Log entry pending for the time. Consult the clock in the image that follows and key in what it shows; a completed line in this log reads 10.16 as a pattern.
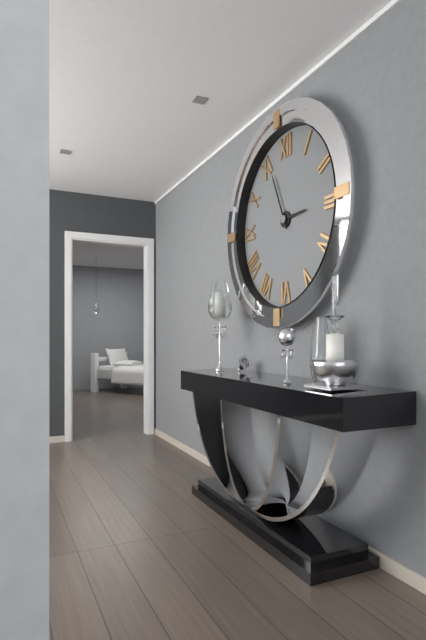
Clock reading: 2.56
